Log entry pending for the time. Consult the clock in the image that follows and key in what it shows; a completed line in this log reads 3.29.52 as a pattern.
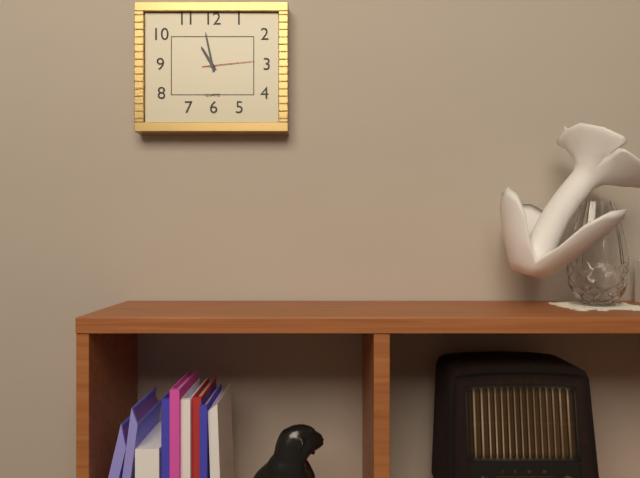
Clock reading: 10.58.14
